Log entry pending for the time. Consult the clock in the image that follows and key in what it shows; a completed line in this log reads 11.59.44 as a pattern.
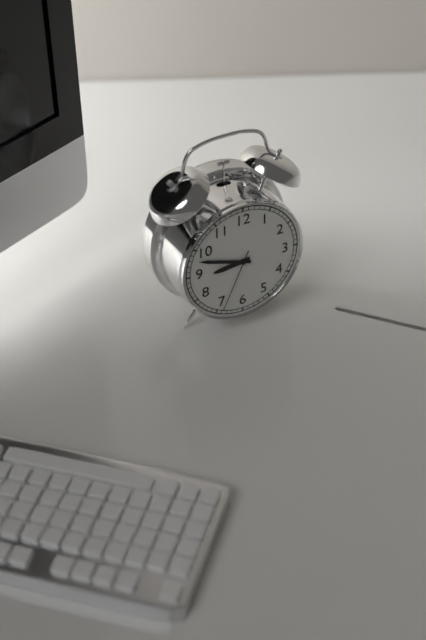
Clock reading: 8.48.34
